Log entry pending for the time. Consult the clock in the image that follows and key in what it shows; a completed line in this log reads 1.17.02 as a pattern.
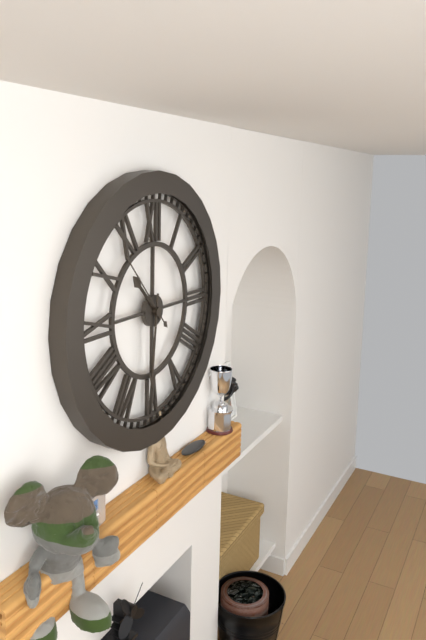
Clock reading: 10.31.53
